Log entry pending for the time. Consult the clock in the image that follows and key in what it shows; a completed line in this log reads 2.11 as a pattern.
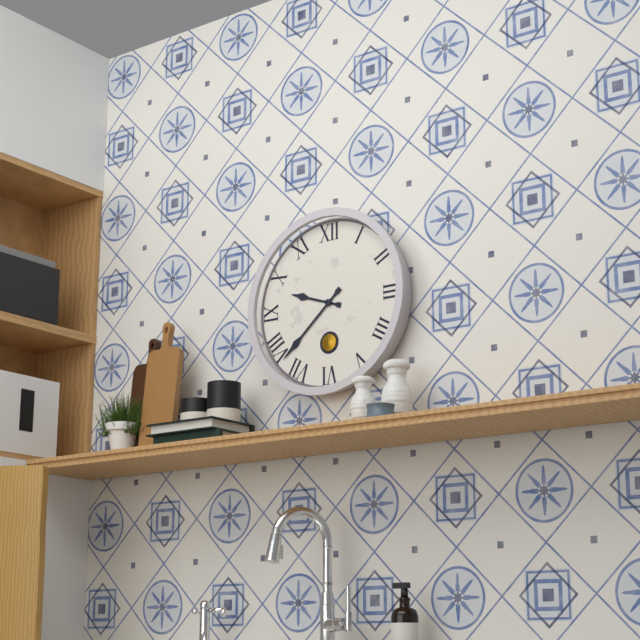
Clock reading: 9.38
